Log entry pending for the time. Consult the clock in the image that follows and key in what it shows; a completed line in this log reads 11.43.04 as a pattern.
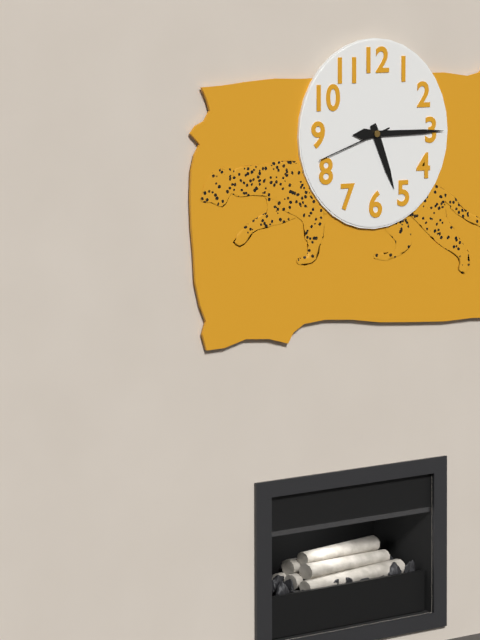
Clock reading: 5.15.42
